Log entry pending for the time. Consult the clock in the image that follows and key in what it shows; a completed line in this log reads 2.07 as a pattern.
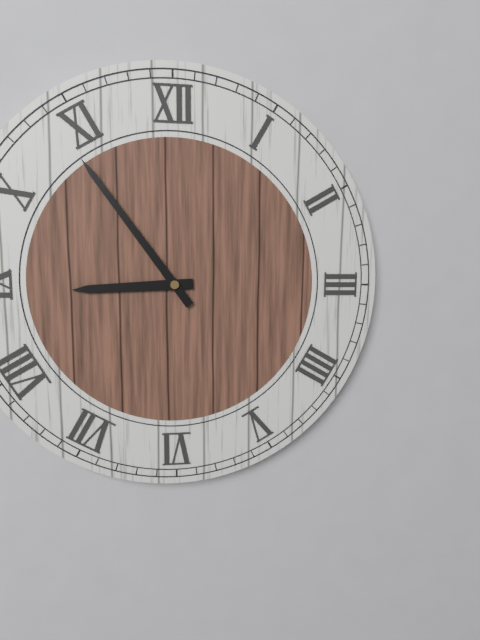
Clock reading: 8.54
